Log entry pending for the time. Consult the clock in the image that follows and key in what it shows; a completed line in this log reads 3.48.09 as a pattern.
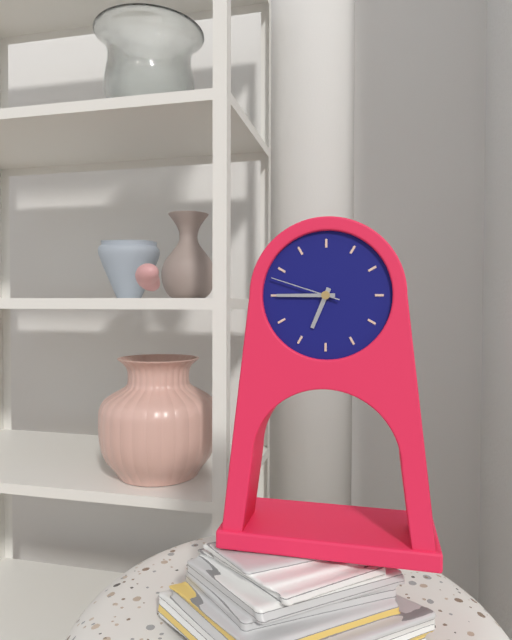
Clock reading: 6.45.48
